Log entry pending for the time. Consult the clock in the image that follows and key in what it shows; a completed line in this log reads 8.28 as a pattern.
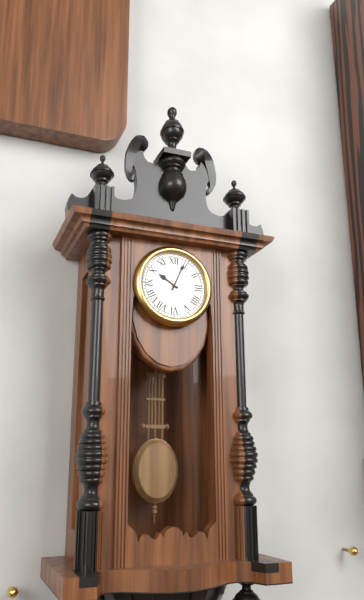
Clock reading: 10.04
